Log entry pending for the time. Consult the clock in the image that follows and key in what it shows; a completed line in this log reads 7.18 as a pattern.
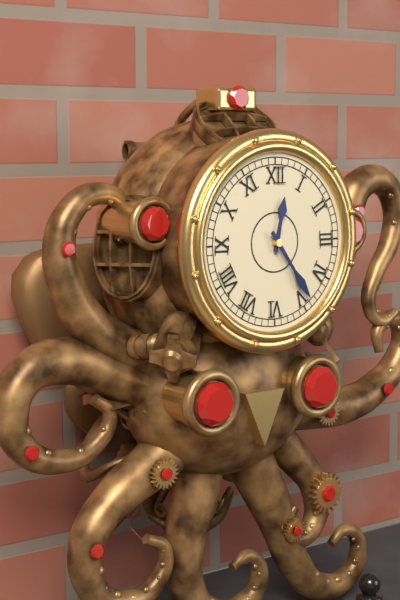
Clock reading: 12.24
